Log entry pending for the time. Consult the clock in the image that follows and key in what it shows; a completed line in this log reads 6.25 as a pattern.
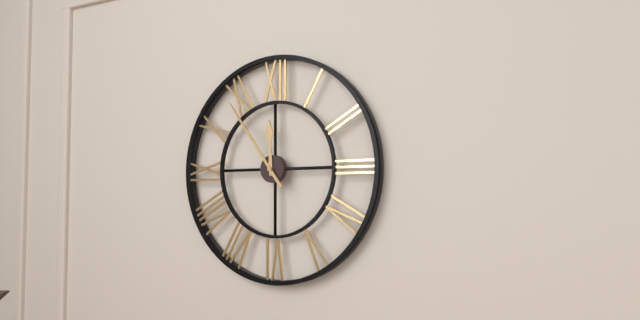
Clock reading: 11.54
